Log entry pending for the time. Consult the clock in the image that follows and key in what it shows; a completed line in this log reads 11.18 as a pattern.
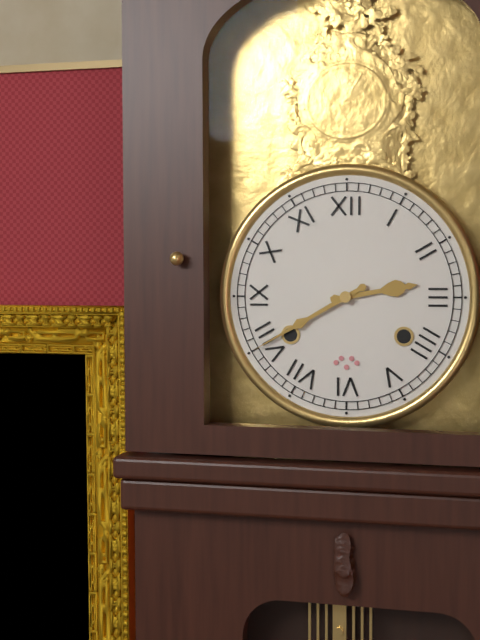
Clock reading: 2.40
